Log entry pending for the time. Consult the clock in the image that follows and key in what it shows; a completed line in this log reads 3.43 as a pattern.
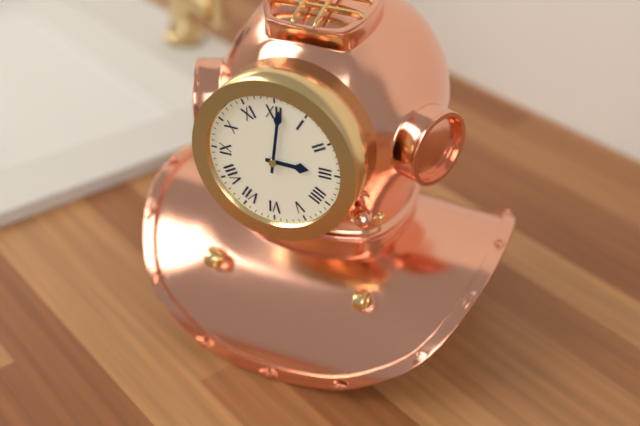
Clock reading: 3.01
